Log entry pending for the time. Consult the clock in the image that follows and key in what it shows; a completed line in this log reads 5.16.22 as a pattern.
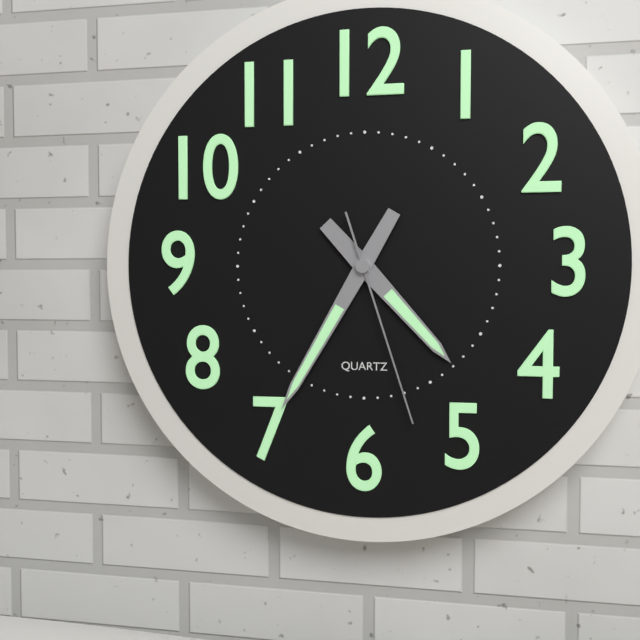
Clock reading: 4.35.27
